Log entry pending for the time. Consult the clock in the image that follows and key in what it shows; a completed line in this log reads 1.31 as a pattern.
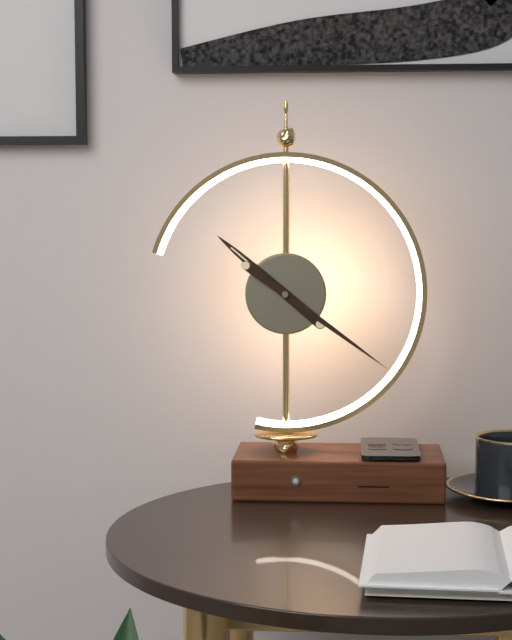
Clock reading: 10.21
